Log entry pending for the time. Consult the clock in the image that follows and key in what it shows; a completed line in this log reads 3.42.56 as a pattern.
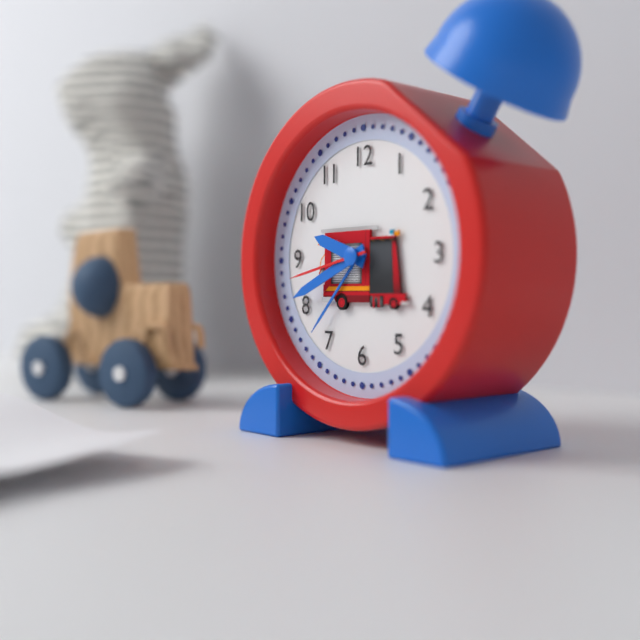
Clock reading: 9.41.43
